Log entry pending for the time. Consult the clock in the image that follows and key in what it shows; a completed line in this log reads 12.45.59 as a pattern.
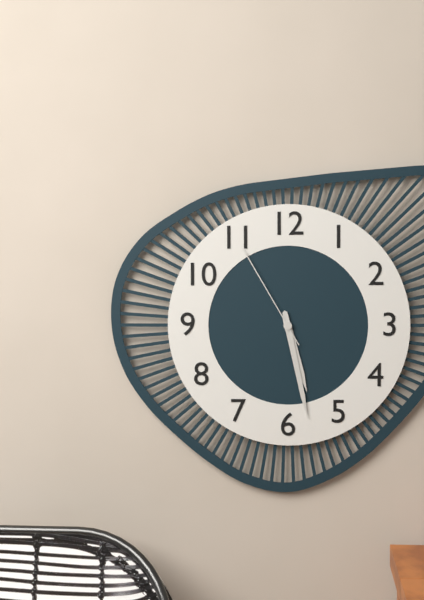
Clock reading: 5.28.55
